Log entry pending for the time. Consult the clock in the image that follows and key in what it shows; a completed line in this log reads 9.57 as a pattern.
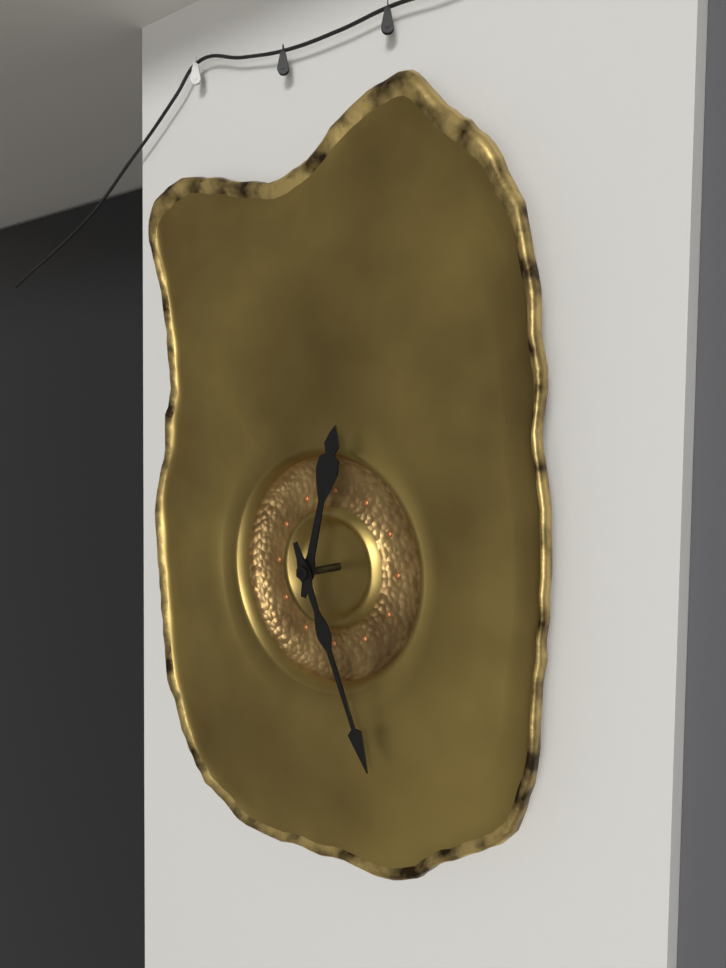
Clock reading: 12.26
